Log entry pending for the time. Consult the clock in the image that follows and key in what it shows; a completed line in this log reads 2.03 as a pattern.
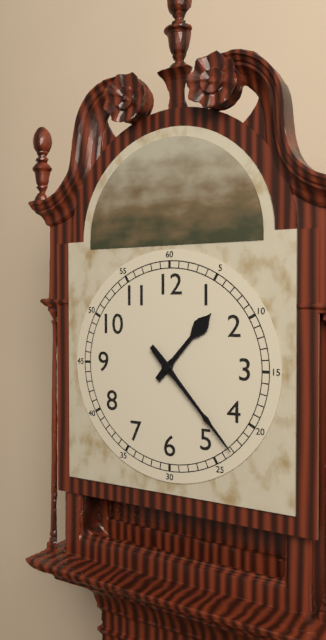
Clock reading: 1.23
